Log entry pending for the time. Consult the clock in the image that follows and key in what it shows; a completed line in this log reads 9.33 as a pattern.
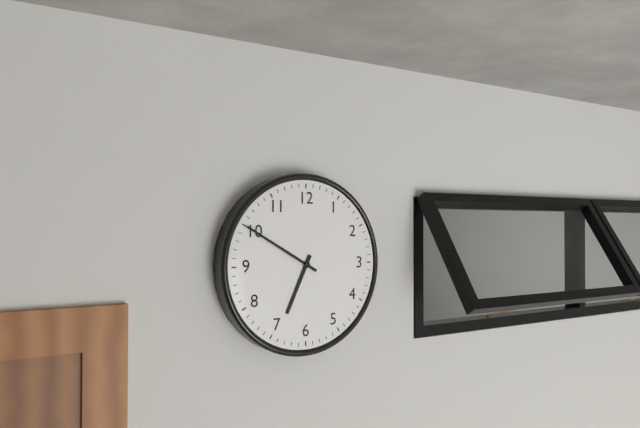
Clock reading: 6.50
